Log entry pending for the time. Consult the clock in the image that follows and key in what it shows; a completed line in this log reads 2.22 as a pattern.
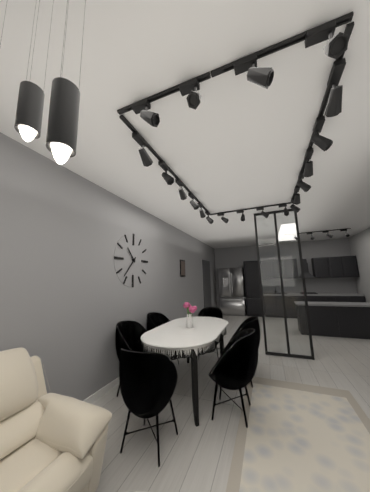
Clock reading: 10.37
